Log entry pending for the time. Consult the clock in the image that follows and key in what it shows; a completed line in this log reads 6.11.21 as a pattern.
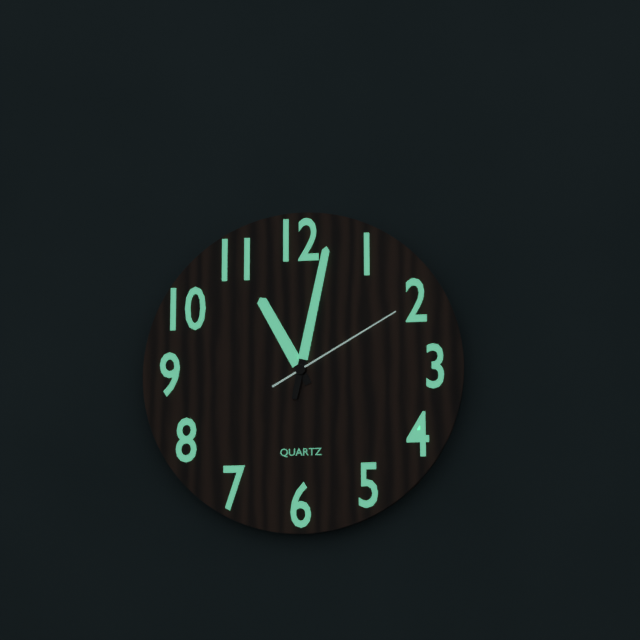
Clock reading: 11.02.10
